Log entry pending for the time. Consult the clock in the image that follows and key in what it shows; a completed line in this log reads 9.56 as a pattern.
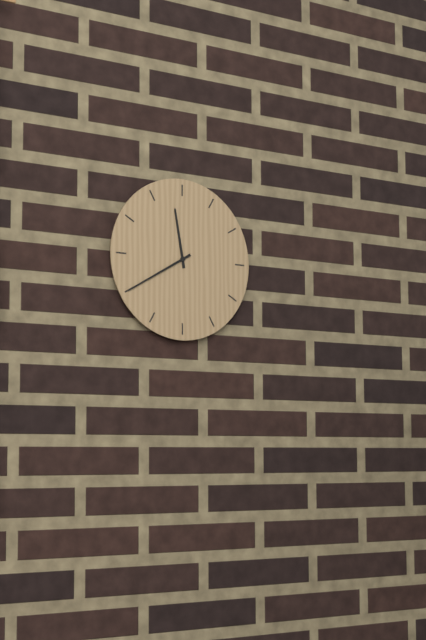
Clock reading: 11.40
